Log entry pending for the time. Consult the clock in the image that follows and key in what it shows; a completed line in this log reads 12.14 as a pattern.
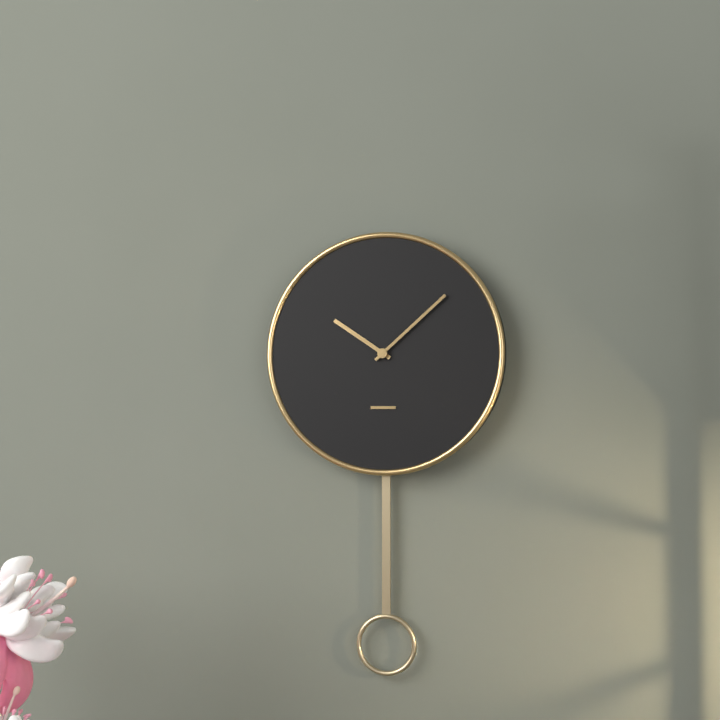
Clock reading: 10.08
